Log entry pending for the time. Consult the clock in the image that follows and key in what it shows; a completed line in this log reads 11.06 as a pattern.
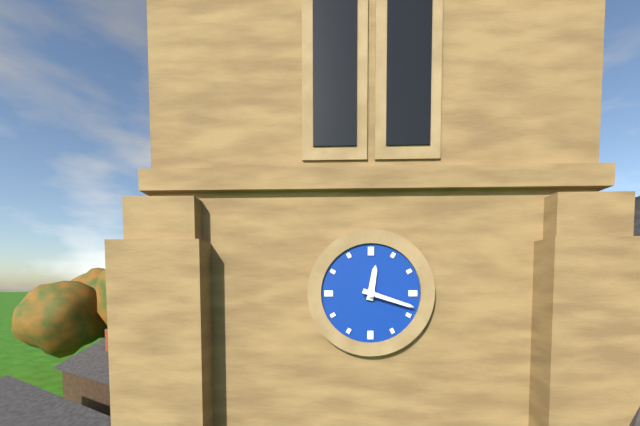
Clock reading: 12.18
